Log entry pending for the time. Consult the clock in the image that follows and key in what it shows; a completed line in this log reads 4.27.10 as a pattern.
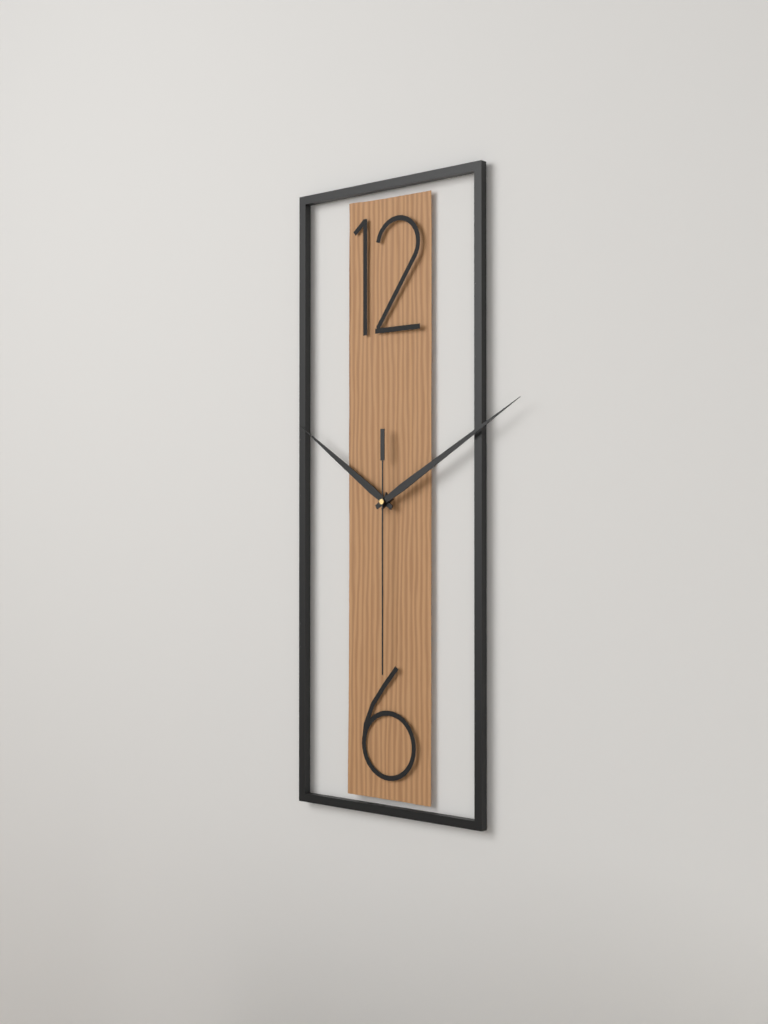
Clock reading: 10.10.30
